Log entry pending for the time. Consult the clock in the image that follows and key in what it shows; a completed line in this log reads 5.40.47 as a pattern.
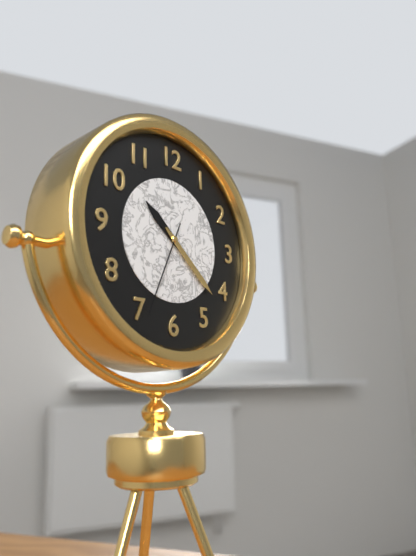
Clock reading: 10.22.34
